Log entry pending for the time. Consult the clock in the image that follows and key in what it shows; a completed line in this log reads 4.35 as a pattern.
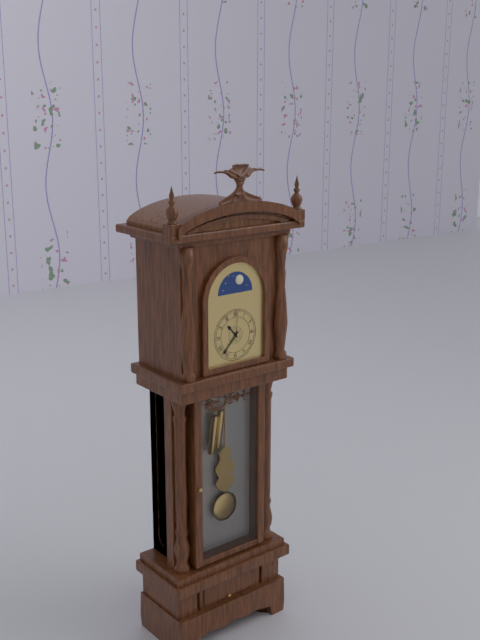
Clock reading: 10.37
